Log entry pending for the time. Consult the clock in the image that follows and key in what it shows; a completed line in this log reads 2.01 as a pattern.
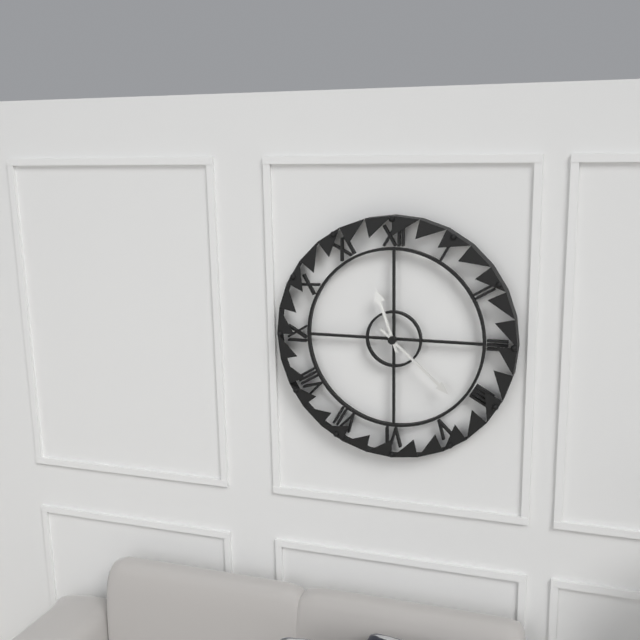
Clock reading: 11.22
